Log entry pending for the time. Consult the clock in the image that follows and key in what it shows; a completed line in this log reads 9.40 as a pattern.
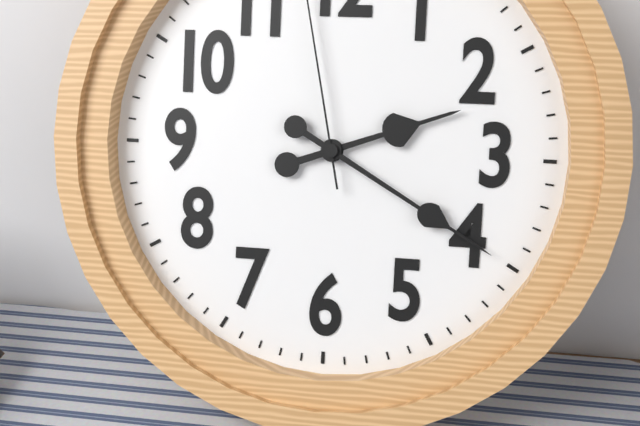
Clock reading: 2.20
